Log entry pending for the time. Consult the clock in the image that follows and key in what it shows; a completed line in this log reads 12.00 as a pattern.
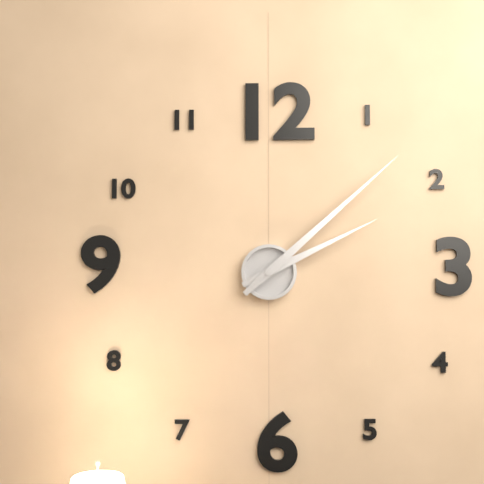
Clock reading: 2.08
